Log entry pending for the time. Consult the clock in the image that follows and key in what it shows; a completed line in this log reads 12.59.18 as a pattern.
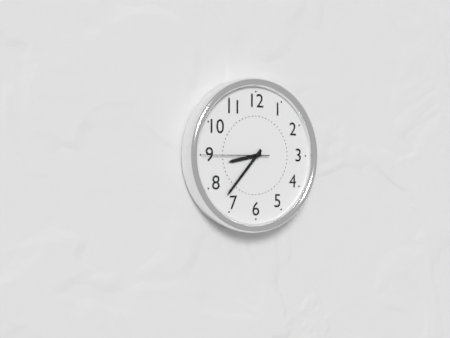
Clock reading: 8.37.45
